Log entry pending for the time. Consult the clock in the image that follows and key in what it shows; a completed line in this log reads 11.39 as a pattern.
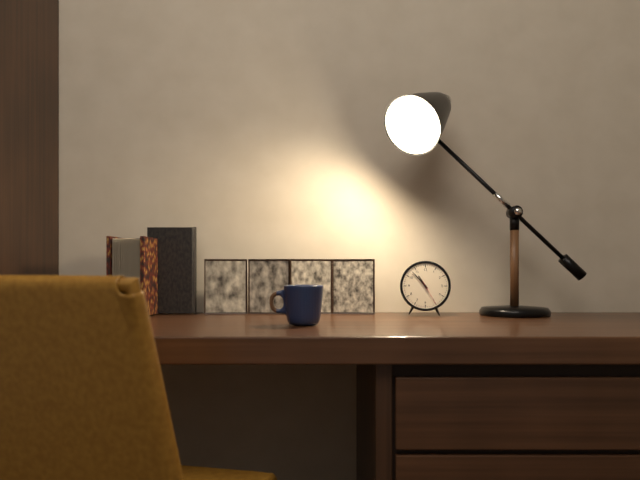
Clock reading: 10.53
